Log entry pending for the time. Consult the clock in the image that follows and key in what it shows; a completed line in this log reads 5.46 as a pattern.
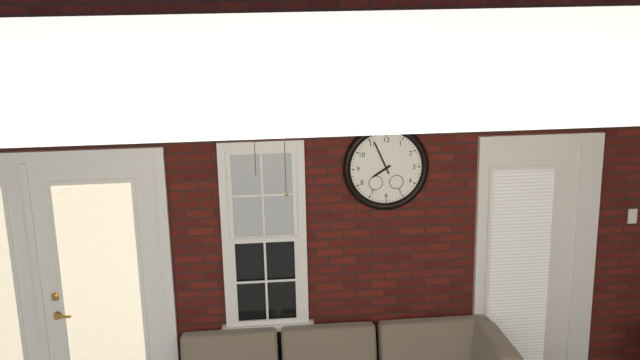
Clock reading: 7.56
